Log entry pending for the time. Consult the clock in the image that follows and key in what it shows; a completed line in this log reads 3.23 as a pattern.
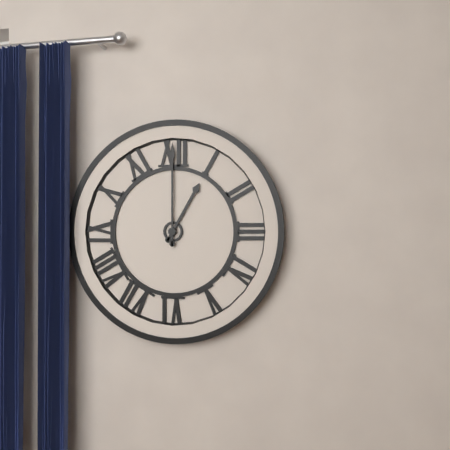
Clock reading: 1.00
